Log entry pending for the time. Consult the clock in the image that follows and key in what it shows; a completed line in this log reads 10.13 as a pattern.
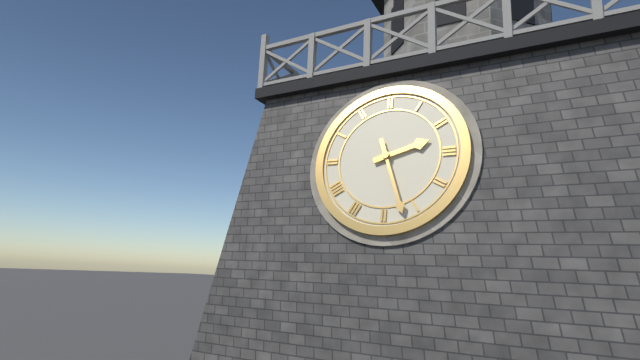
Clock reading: 2.27
